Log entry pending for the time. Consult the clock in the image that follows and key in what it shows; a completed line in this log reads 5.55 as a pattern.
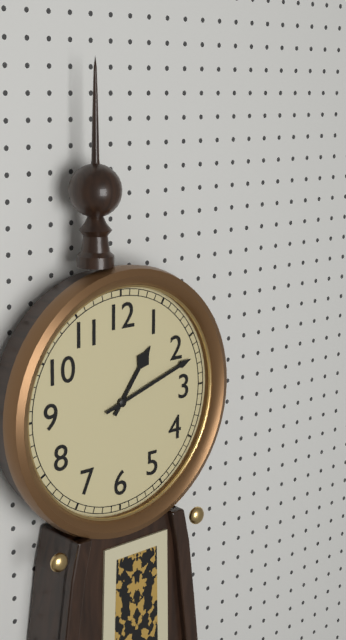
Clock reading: 1.12
